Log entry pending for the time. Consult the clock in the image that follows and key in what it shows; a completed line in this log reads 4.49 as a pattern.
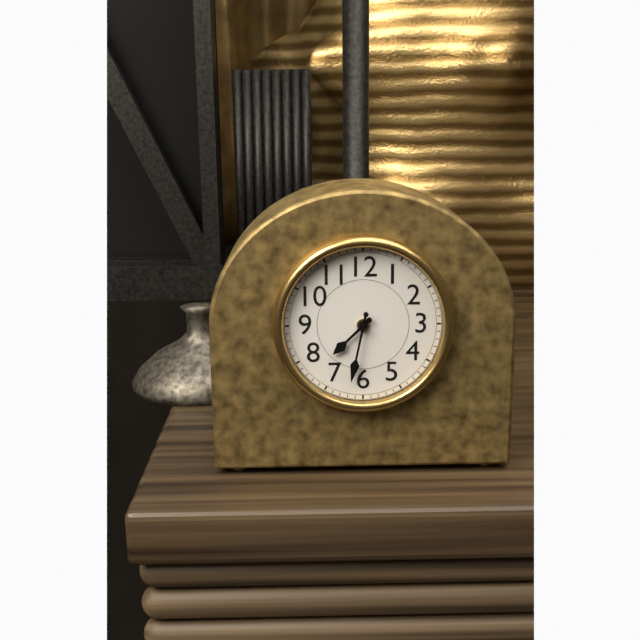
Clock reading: 7.32
